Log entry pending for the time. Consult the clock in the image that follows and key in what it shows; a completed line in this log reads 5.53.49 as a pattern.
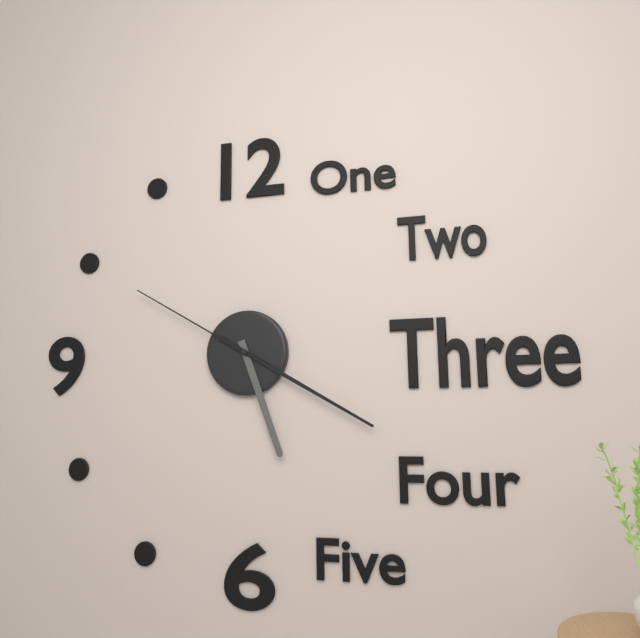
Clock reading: 5.20.50
